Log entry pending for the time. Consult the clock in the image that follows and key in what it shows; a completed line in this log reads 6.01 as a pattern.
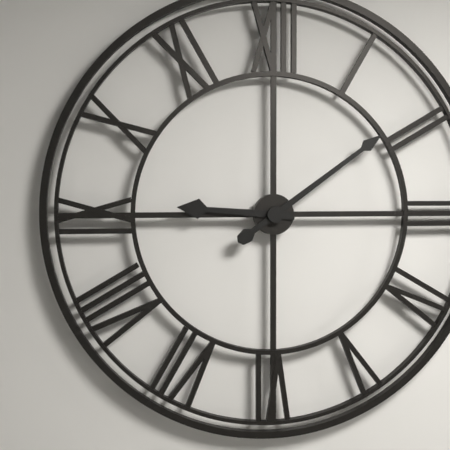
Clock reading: 9.09
